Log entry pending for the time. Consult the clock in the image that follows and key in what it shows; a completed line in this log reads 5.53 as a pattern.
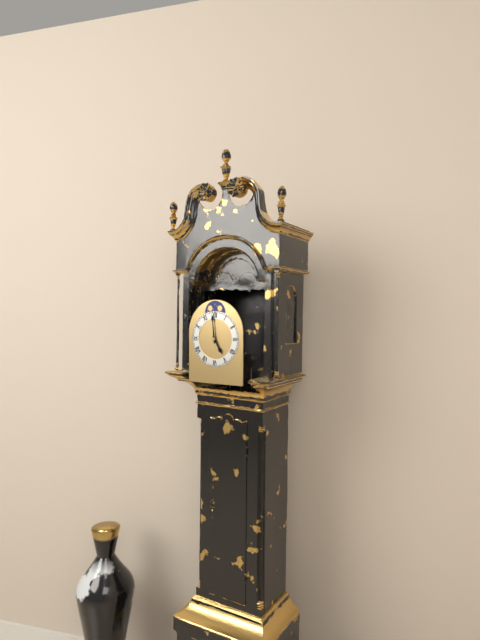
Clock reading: 4.59
